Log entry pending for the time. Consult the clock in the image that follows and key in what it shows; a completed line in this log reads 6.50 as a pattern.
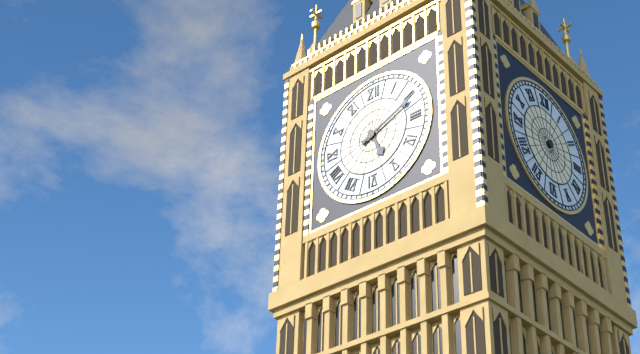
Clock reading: 5.11
